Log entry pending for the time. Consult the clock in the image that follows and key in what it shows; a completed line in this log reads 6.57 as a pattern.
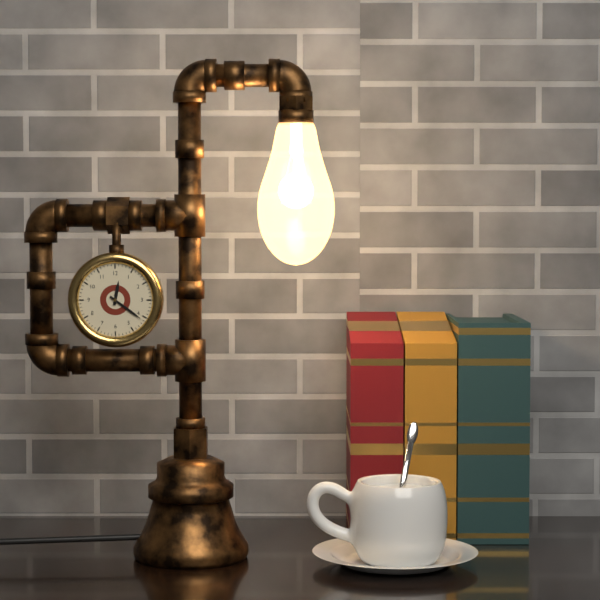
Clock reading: 12.21
